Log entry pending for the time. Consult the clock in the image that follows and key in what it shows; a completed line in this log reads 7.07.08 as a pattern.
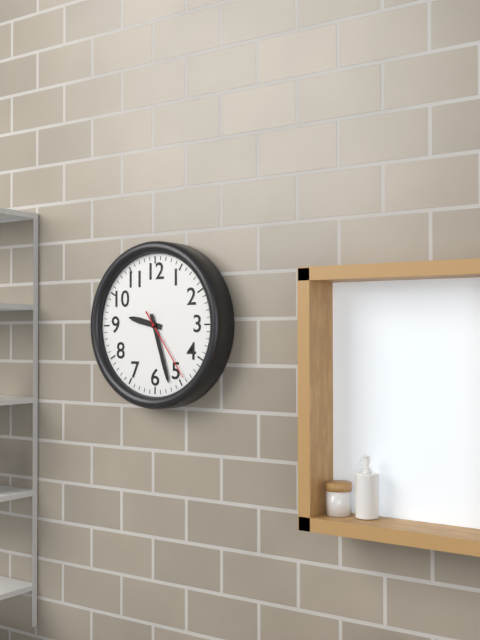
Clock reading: 9.27.24
